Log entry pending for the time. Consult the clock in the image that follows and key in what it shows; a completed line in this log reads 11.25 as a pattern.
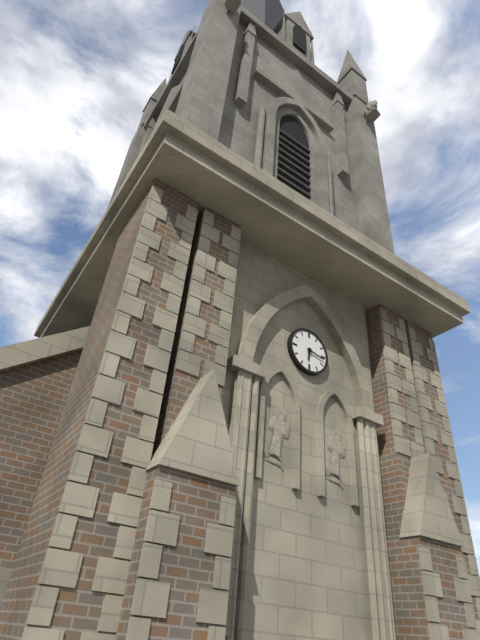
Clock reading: 6.17
